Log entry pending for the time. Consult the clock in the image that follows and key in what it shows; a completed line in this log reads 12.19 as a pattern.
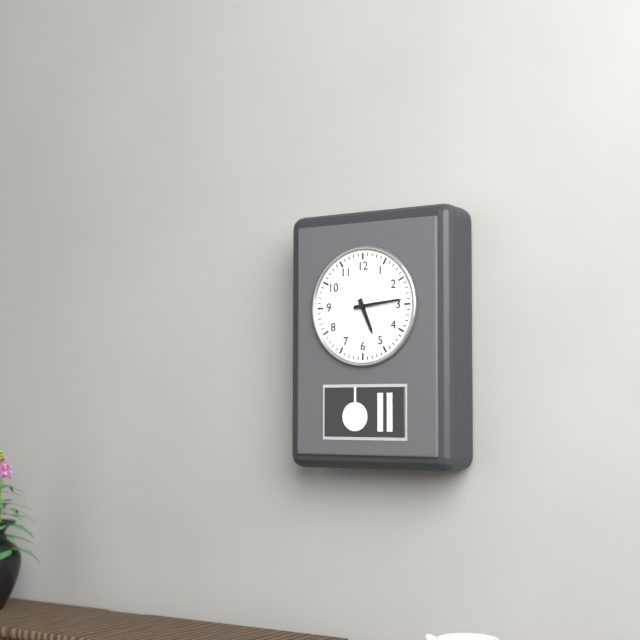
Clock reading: 5.14
